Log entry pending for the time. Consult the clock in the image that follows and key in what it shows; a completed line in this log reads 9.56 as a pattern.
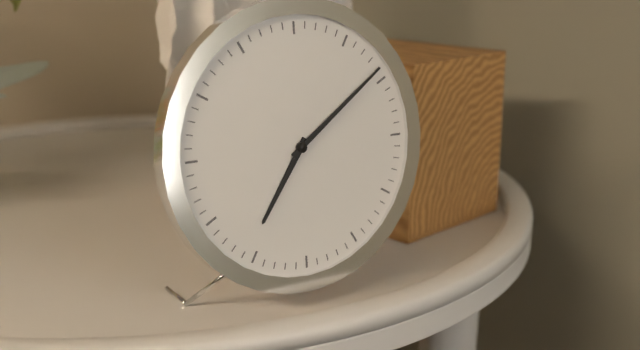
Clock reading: 7.09
